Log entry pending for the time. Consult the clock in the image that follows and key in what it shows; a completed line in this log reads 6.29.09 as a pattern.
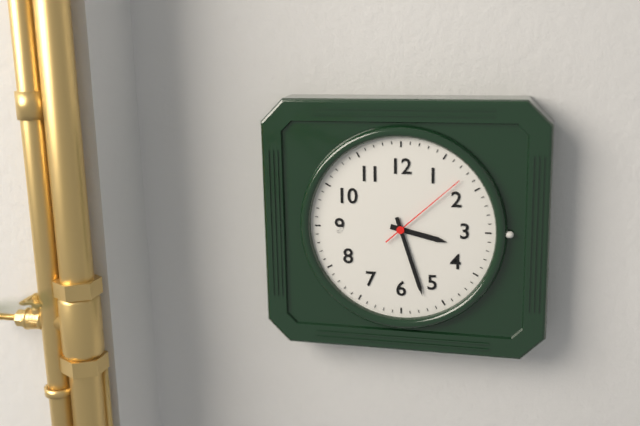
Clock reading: 3.27.08
